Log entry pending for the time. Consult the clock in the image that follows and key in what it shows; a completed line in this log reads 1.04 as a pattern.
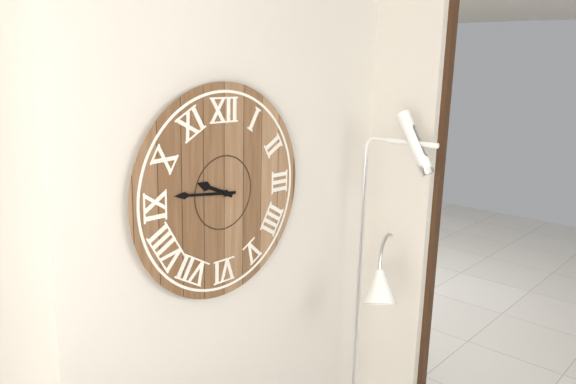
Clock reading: 9.46
